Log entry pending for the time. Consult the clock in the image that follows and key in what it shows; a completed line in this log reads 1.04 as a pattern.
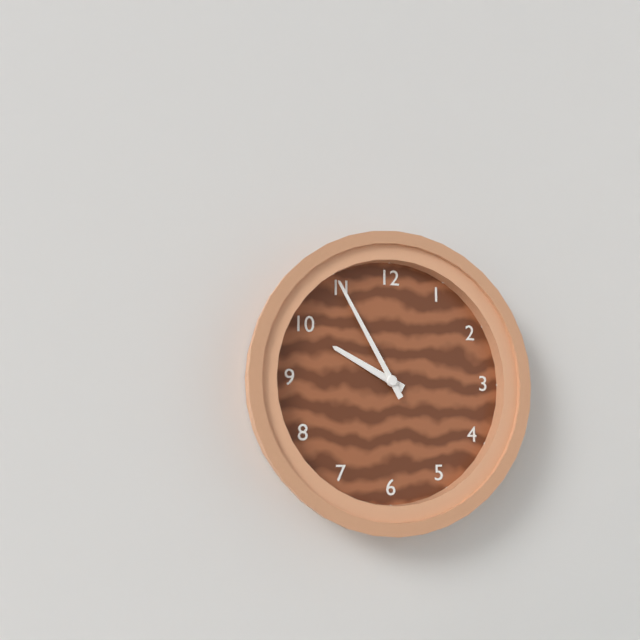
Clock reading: 9.55
